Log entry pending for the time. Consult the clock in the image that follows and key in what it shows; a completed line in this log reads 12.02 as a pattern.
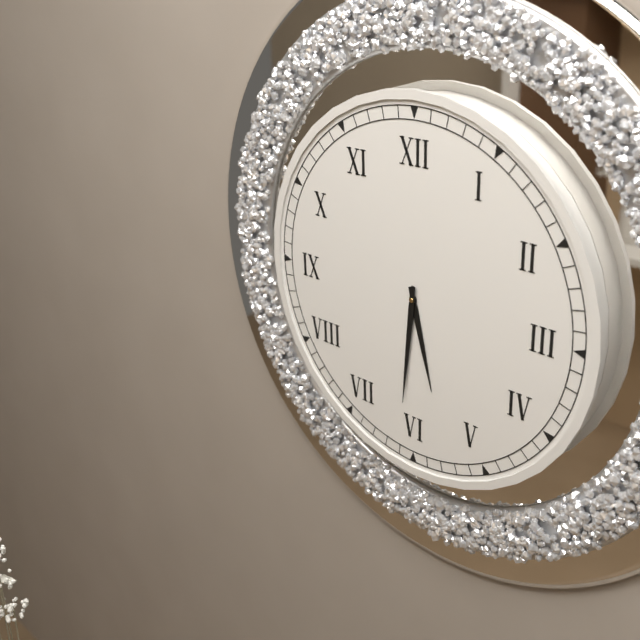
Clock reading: 5.31
